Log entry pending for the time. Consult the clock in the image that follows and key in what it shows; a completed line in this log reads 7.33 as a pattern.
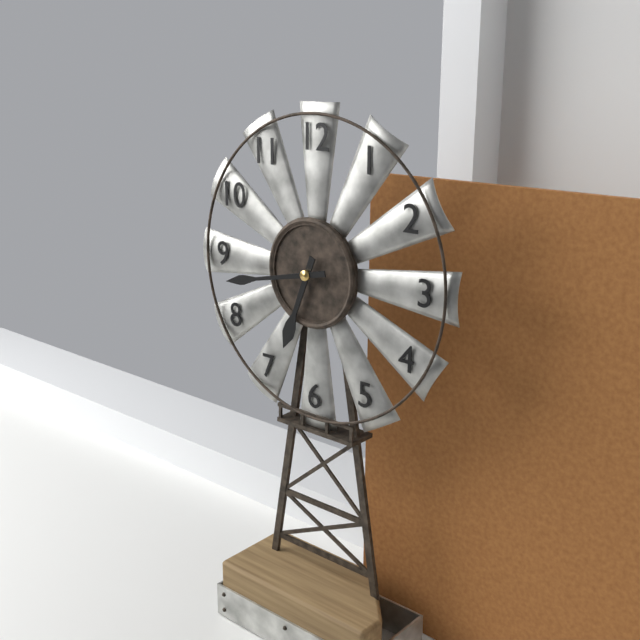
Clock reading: 6.43
